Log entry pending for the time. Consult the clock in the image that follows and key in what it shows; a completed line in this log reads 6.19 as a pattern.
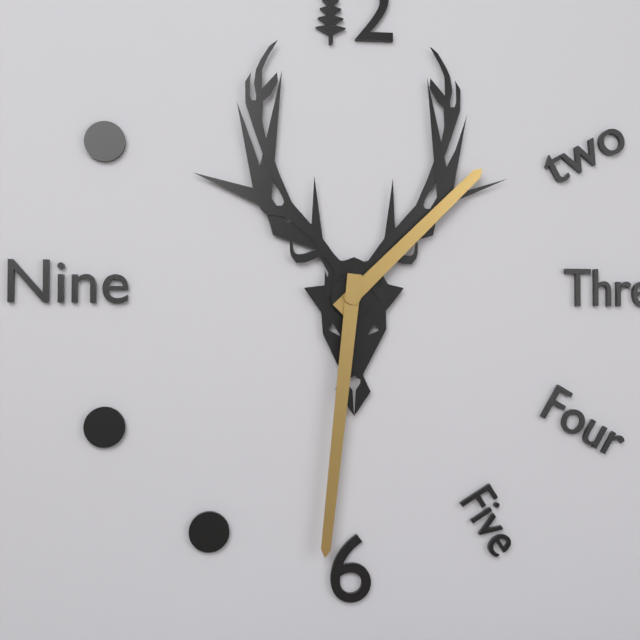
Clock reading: 1.31
